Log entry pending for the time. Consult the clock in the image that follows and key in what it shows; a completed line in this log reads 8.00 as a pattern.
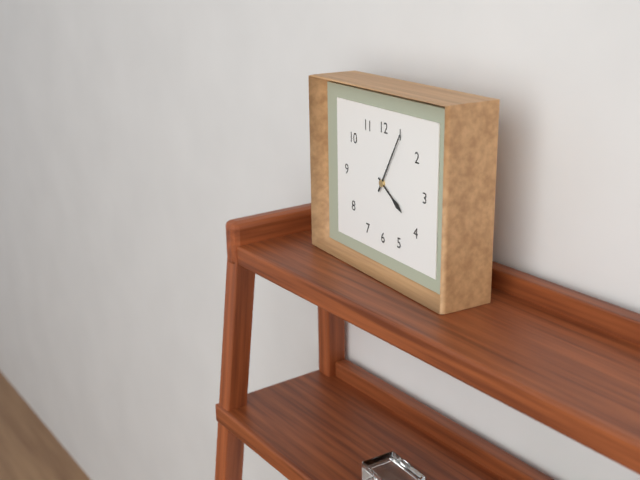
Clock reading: 4.05
